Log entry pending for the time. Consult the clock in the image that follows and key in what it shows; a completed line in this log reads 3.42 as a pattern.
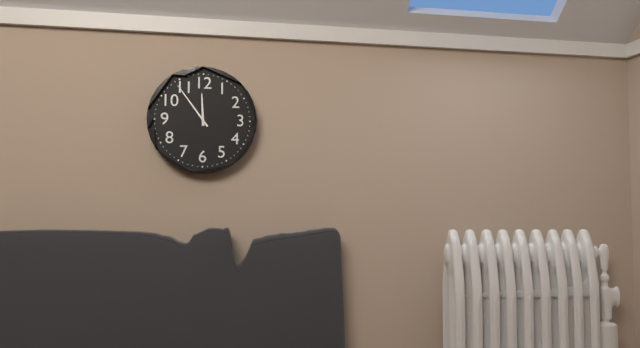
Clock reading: 11.54
